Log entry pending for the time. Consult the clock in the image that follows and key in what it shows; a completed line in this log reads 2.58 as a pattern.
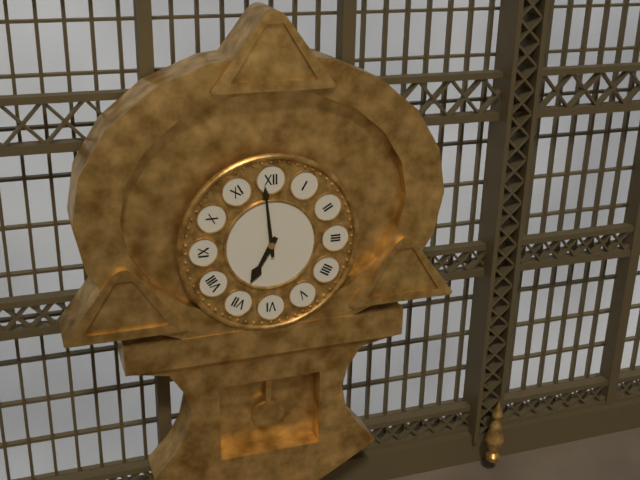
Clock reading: 6.59
